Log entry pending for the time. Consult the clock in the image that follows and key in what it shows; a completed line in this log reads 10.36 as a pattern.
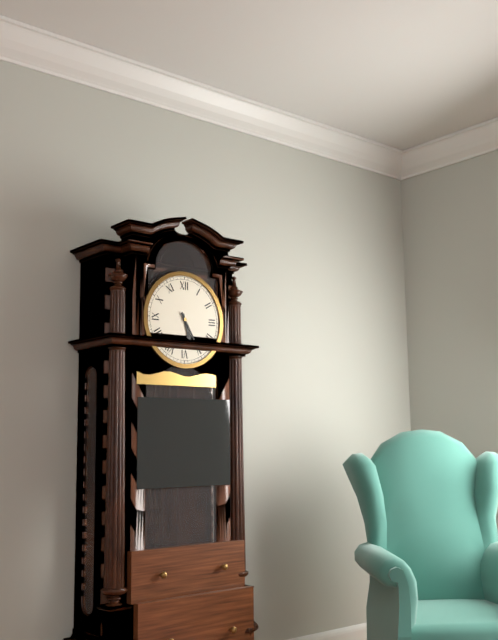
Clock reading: 5.25
